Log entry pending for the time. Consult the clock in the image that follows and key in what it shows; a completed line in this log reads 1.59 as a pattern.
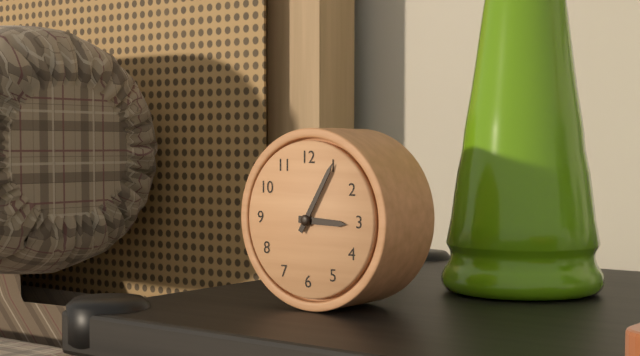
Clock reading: 3.05
